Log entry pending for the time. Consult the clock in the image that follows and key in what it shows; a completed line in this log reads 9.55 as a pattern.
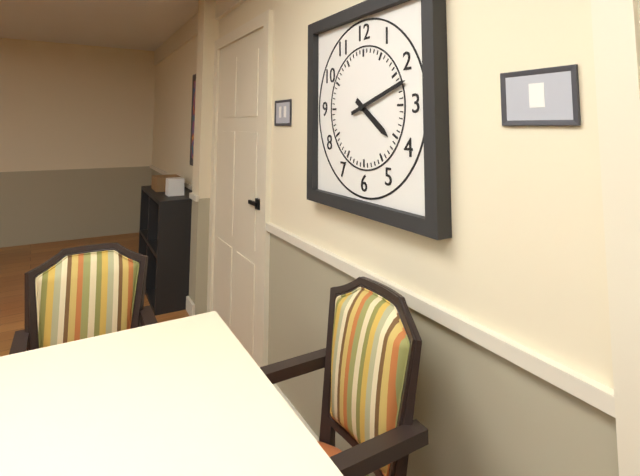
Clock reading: 4.12
